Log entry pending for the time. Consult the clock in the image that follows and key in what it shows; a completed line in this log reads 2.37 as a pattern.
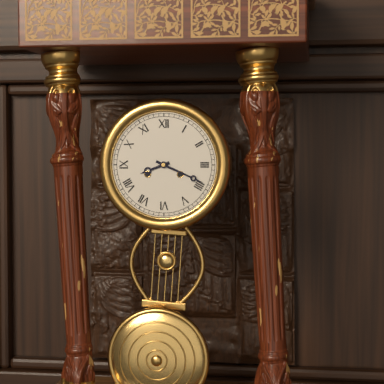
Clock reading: 8.19
